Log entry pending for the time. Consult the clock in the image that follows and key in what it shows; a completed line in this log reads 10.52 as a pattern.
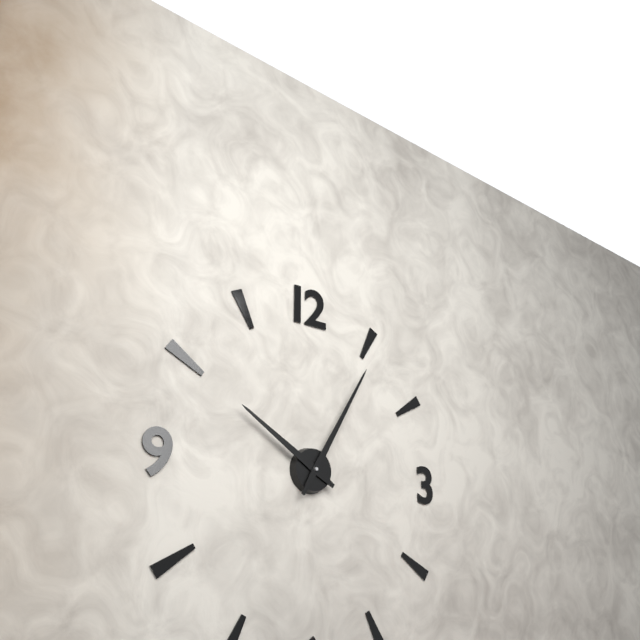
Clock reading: 10.05
